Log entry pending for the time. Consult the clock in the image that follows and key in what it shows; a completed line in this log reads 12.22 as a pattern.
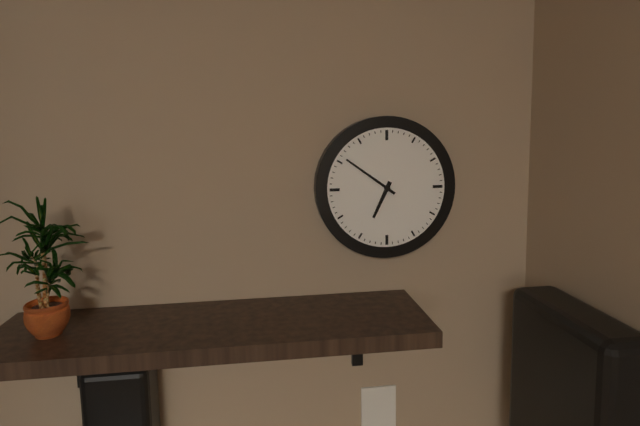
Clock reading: 6.51
